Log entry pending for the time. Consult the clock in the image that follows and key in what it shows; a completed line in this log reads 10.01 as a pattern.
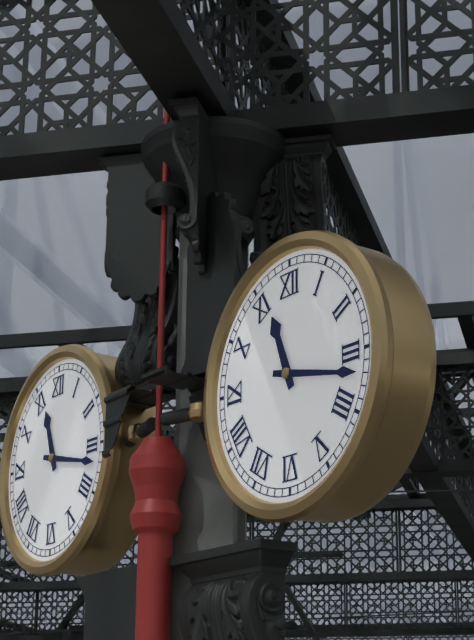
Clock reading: 11.17
